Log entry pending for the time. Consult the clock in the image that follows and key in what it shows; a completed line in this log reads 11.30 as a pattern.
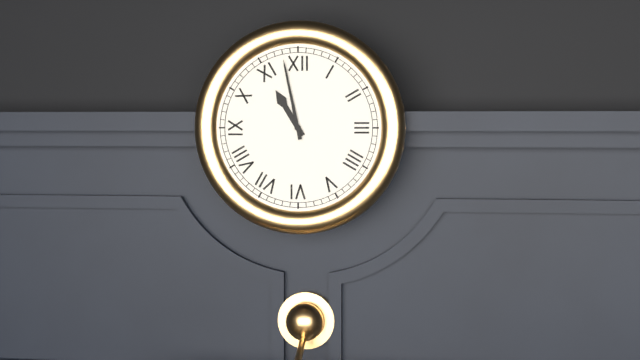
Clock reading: 10.58
